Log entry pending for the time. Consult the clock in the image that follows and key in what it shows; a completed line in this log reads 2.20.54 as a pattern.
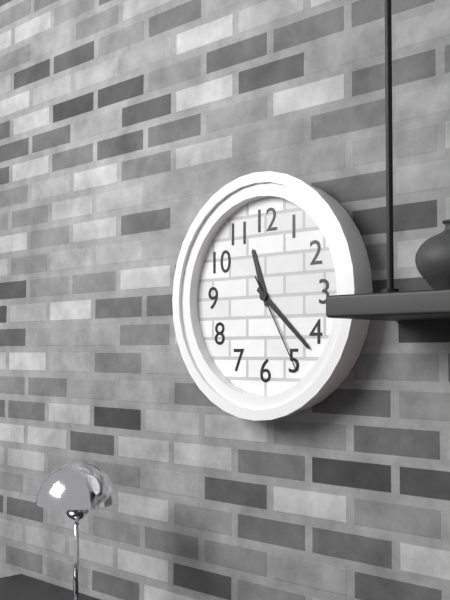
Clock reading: 11.22.25
